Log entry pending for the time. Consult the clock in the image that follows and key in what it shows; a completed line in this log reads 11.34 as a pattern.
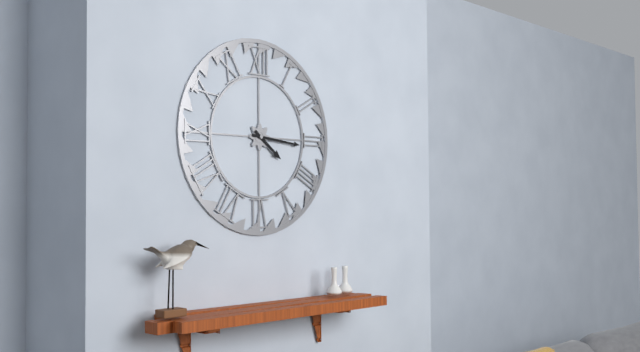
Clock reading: 4.16
